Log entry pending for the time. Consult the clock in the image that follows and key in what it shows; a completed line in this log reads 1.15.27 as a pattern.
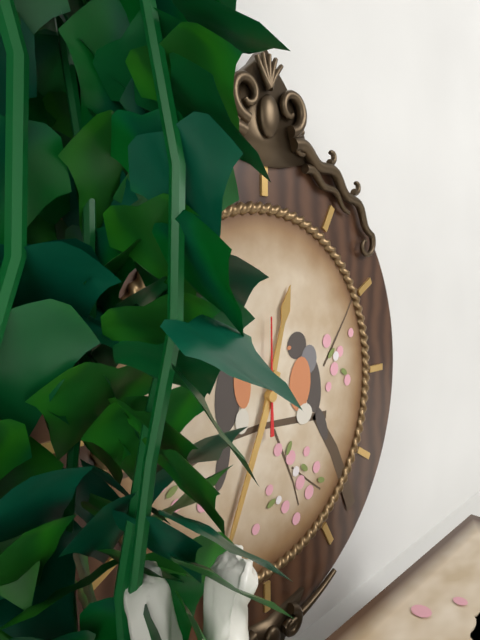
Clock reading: 12.34.00
